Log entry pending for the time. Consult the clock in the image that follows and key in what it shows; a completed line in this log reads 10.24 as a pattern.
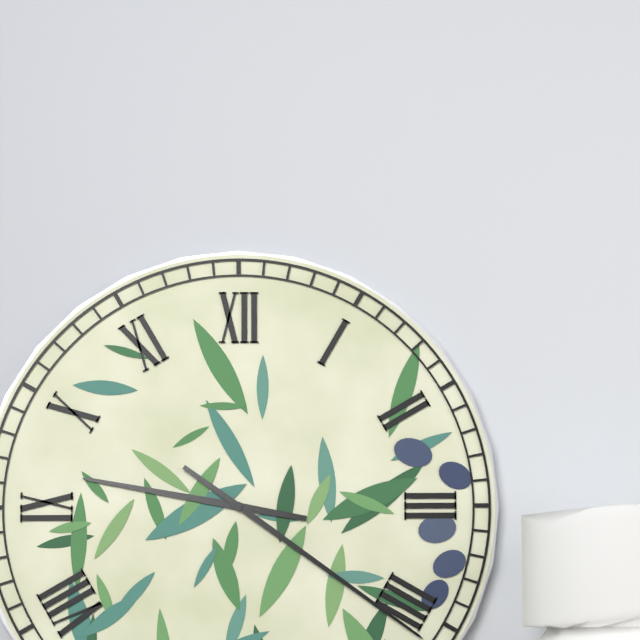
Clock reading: 9.21
